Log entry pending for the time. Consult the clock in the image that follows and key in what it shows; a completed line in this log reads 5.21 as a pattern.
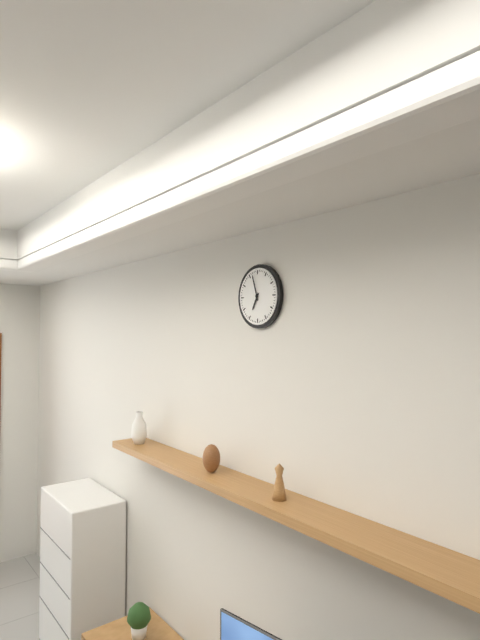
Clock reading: 6.57
